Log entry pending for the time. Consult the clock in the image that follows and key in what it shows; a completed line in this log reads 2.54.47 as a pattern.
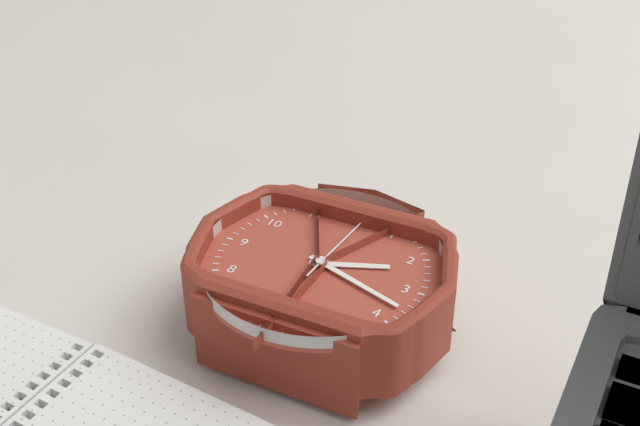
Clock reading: 2.18.01
